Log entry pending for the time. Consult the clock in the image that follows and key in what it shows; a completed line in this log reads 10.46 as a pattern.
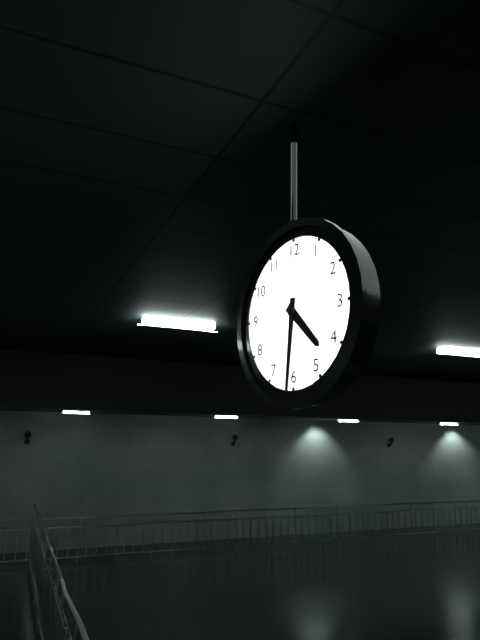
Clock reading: 4.31
